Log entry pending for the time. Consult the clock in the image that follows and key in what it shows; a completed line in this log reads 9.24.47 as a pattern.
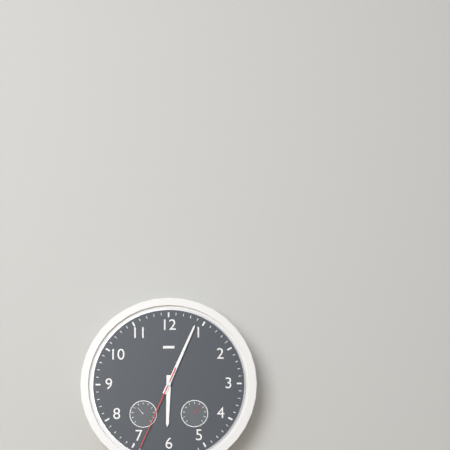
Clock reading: 6.04.34
